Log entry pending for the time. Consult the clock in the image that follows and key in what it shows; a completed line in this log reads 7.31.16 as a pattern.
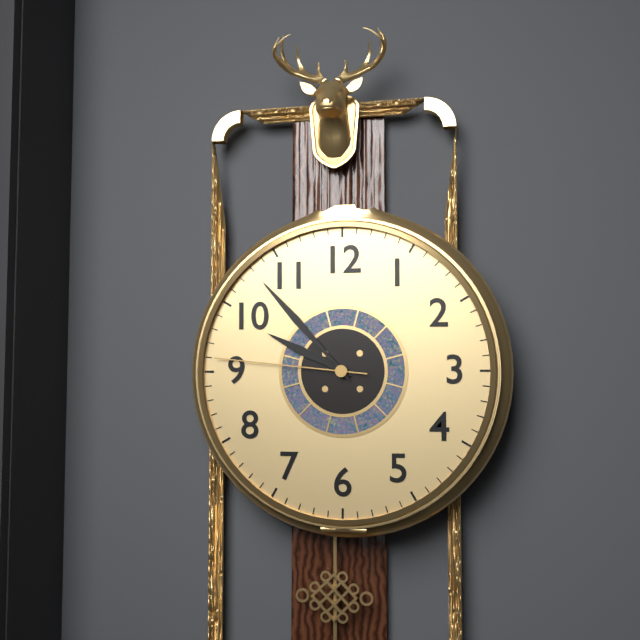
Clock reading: 9.53.46
